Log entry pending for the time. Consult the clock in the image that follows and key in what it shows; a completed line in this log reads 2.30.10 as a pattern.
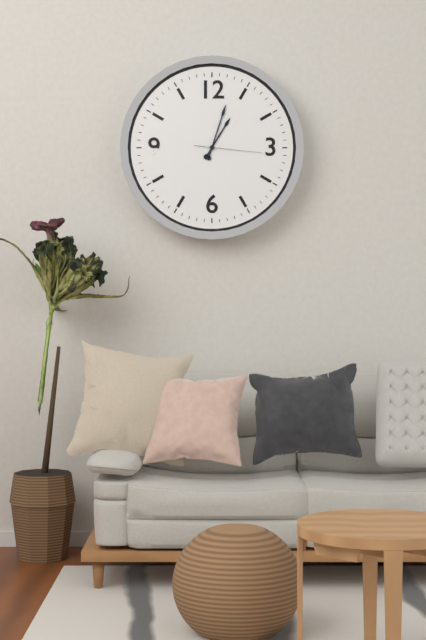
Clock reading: 1.03.16
